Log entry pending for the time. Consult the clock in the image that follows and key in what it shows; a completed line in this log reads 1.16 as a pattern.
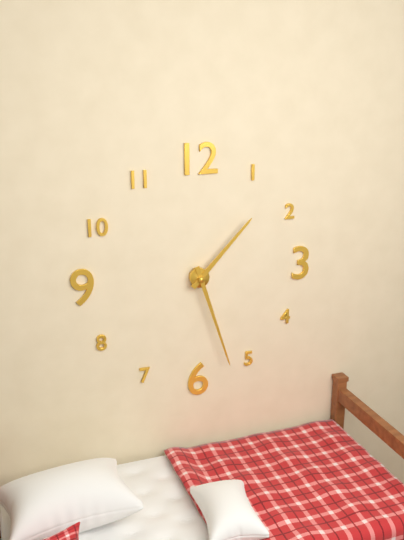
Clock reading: 1.27
